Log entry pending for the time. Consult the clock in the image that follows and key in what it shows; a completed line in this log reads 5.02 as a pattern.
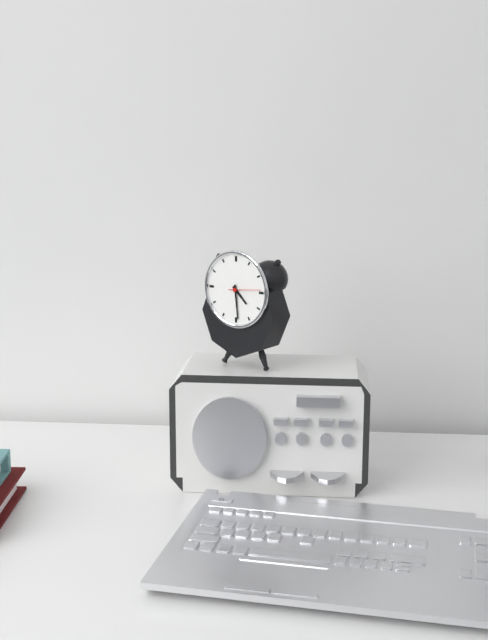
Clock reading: 4.29
